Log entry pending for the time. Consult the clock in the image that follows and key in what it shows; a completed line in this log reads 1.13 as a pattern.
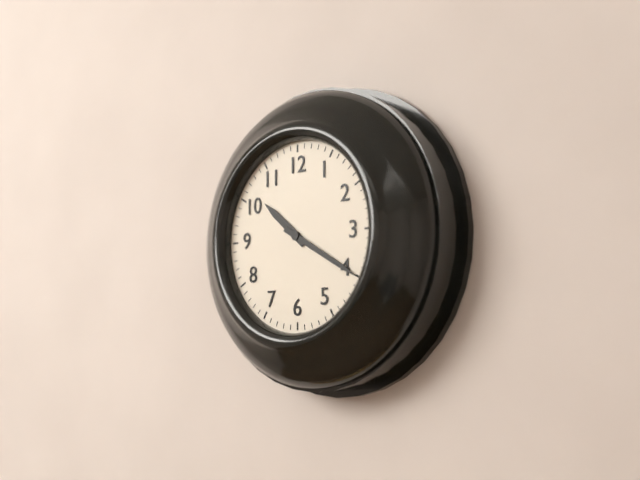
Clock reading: 10.20
